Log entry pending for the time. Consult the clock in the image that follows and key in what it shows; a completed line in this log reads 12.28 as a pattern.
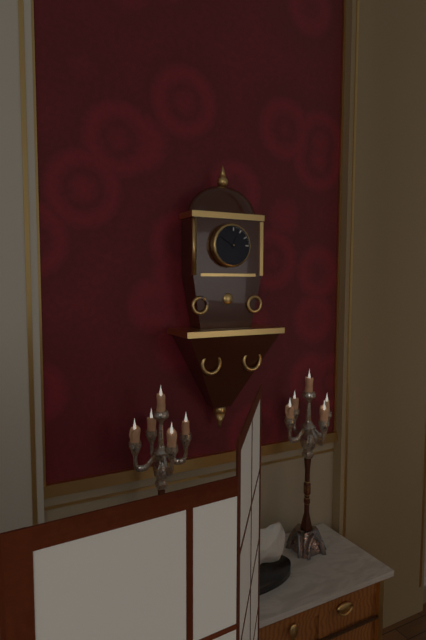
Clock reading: 12.50
